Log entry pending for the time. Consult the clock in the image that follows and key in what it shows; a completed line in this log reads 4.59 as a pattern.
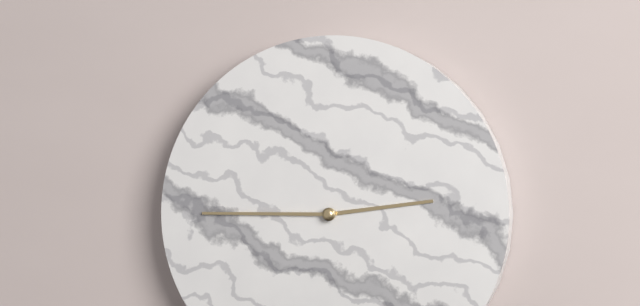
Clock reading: 2.45
